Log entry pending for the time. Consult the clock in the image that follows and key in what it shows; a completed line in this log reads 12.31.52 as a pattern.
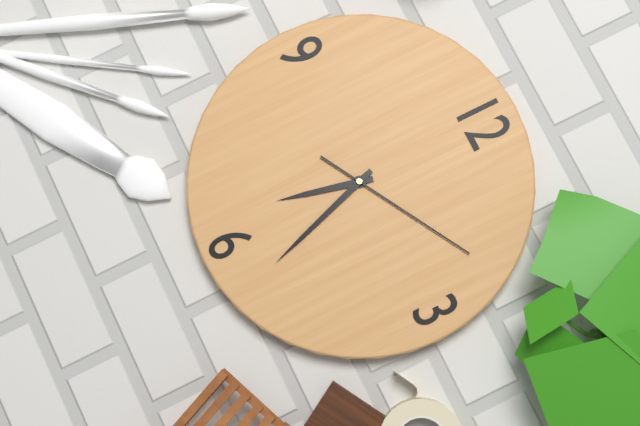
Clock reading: 6.27.10
